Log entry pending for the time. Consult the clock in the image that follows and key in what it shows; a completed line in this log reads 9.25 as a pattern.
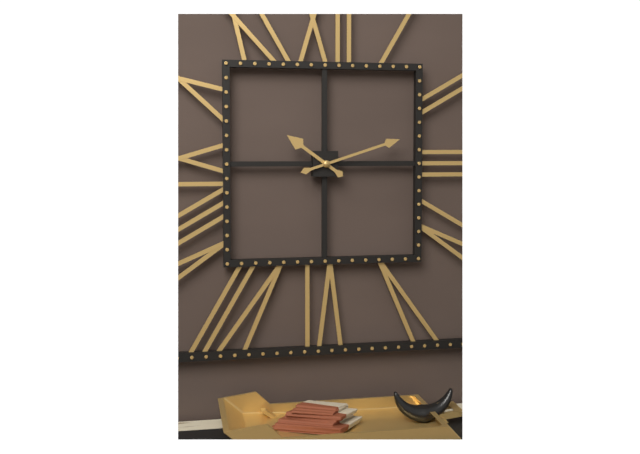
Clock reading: 10.12
